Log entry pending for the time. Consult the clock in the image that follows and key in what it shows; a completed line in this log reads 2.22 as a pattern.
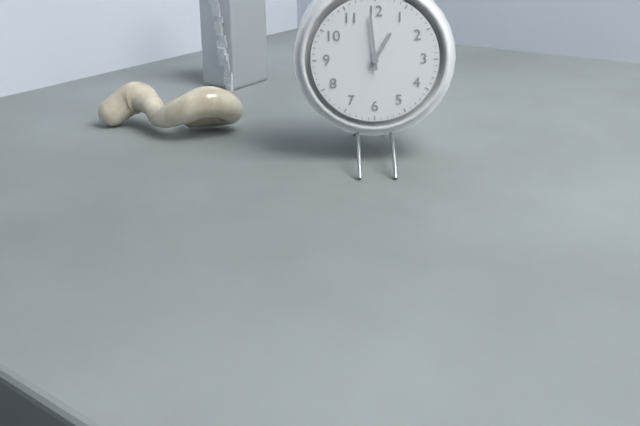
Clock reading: 12.59
